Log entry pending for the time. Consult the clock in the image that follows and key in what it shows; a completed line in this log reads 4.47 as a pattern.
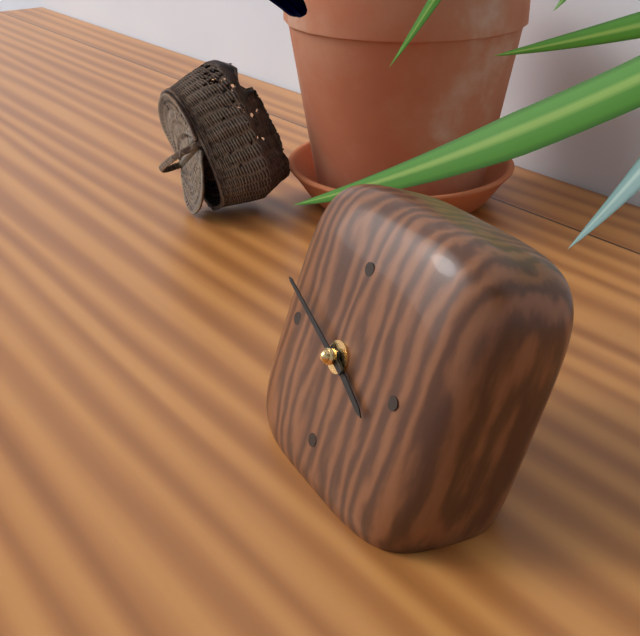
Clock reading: 3.48
